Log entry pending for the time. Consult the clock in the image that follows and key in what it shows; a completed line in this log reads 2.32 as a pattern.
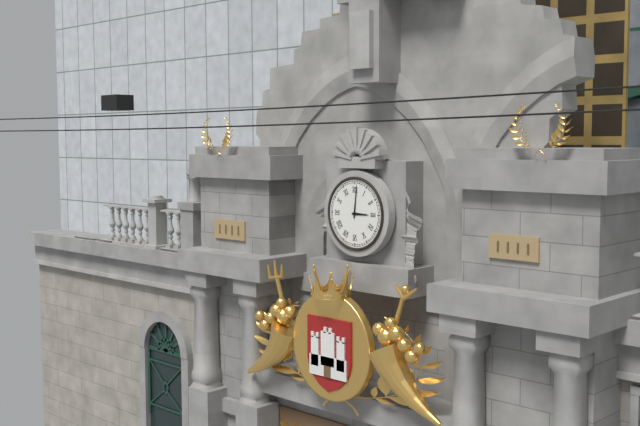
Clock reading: 3.01
